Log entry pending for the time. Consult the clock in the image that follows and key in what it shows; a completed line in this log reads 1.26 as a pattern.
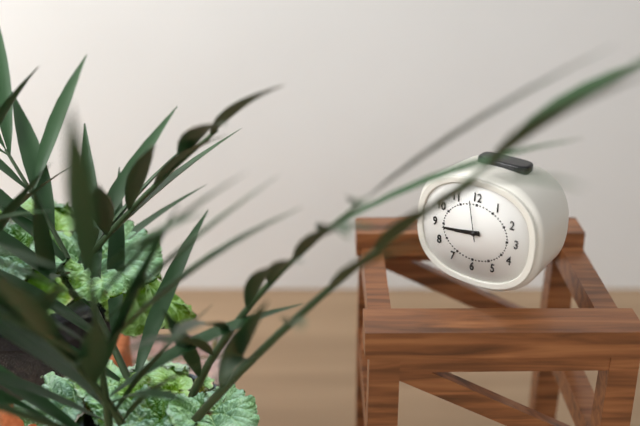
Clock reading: 8.44
